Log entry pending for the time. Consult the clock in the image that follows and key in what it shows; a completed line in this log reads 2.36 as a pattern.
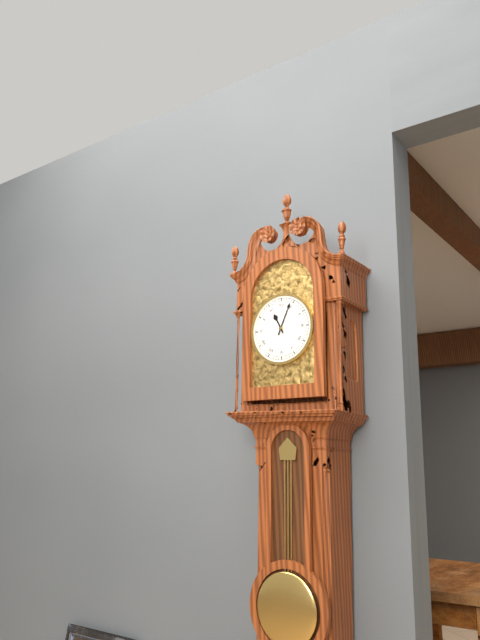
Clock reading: 11.04
